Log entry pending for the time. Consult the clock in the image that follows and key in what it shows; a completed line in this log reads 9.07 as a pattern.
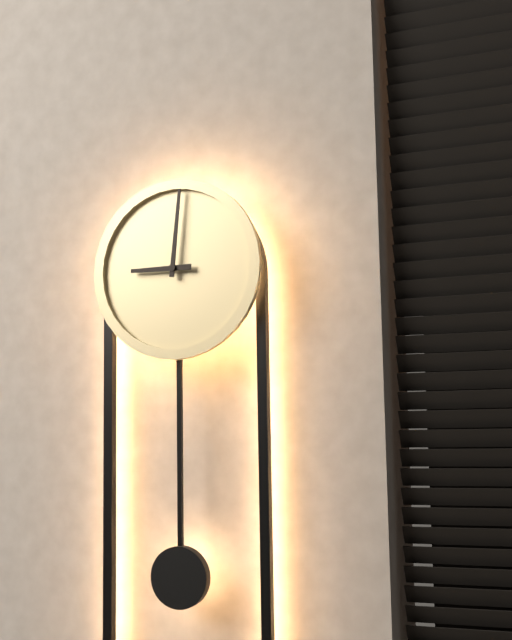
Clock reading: 9.01
